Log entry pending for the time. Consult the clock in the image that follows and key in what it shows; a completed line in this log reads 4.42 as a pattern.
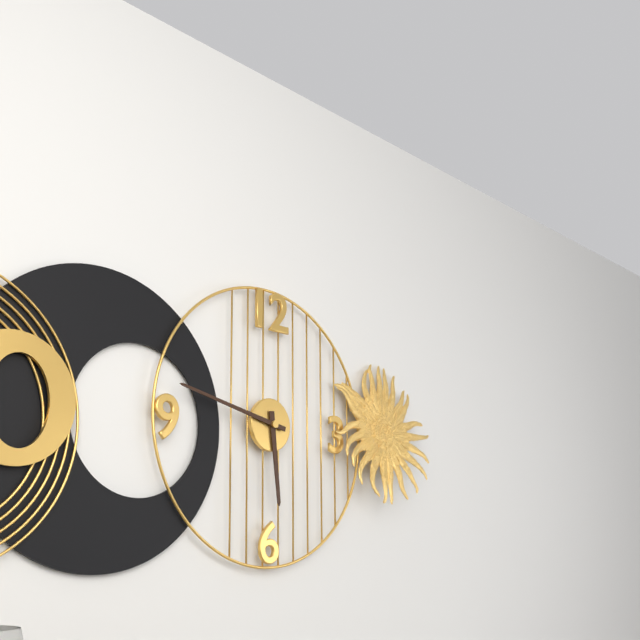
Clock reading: 5.47
